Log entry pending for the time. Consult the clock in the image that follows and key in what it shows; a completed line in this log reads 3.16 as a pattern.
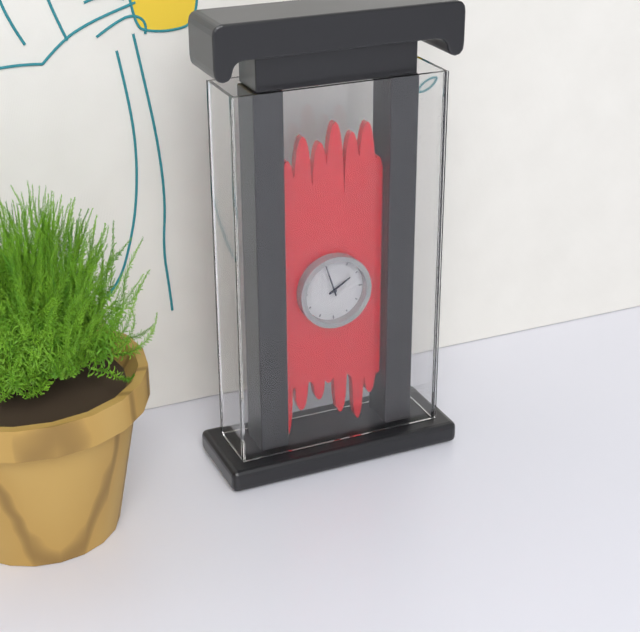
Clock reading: 1.57
